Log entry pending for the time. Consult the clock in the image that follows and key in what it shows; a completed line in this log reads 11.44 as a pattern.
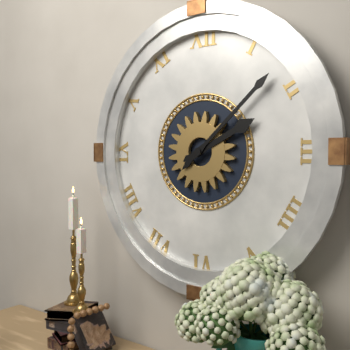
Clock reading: 2.08
